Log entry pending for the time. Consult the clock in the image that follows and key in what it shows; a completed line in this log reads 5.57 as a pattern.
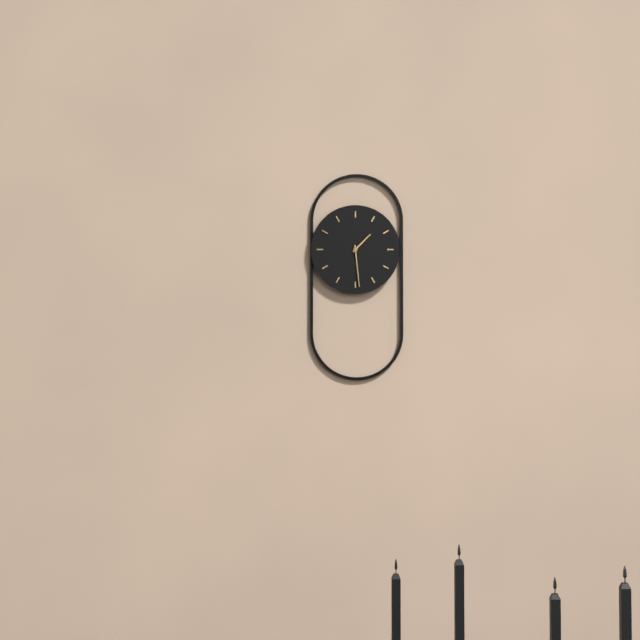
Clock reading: 1.29
